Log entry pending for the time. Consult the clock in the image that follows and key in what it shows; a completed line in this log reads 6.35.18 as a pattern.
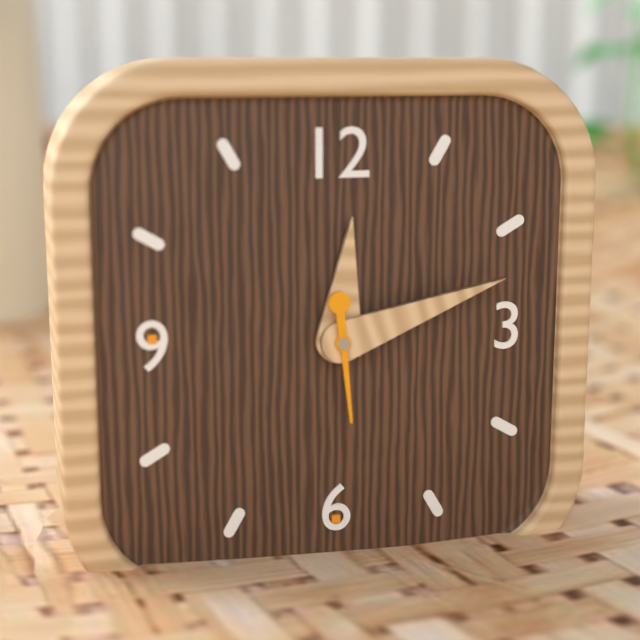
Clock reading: 12.12.29
